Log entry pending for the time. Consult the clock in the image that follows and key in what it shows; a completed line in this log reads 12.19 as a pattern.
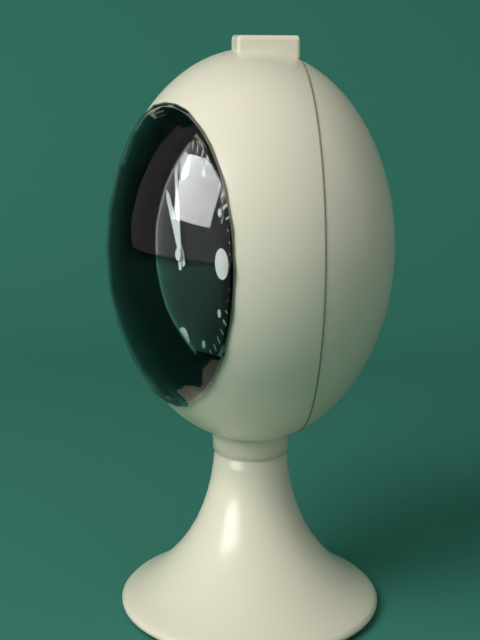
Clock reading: 10.59
